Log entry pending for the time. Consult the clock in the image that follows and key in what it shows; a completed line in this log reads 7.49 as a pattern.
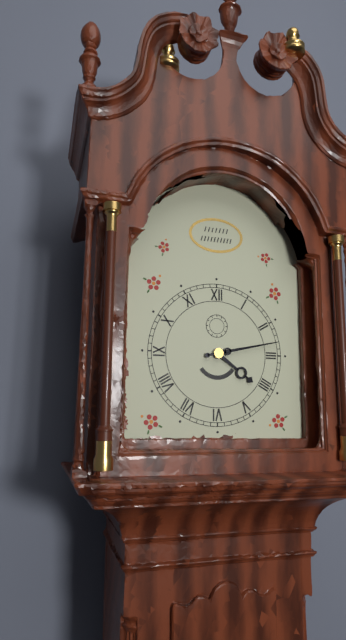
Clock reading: 4.13
